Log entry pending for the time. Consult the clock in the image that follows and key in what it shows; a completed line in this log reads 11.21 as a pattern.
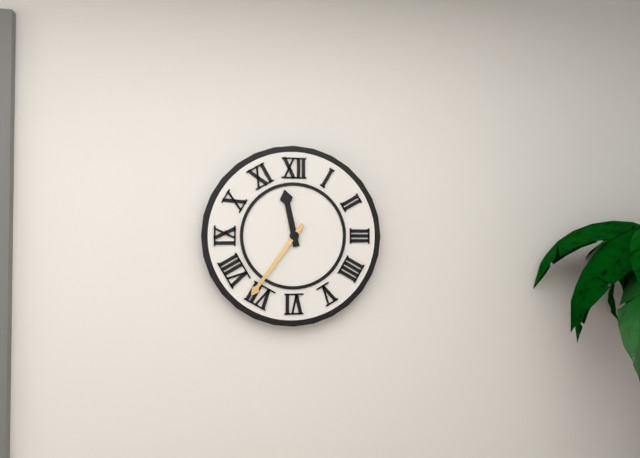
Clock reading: 11.36
